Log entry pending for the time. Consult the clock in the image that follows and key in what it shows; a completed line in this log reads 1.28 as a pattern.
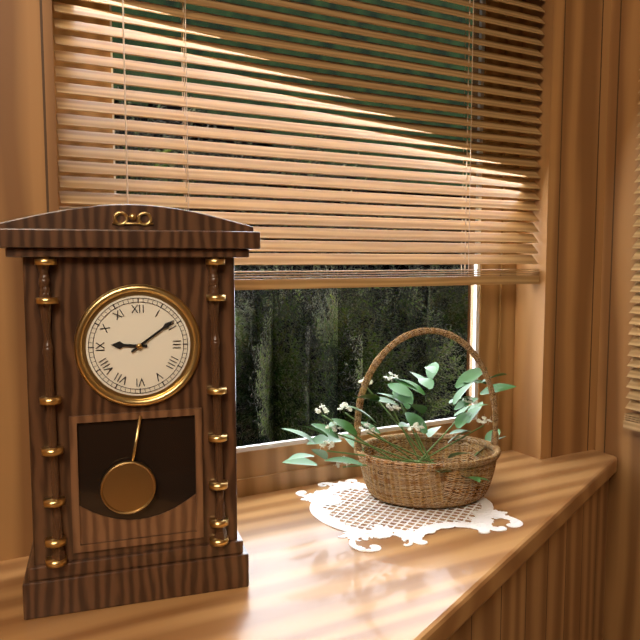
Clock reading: 9.09
